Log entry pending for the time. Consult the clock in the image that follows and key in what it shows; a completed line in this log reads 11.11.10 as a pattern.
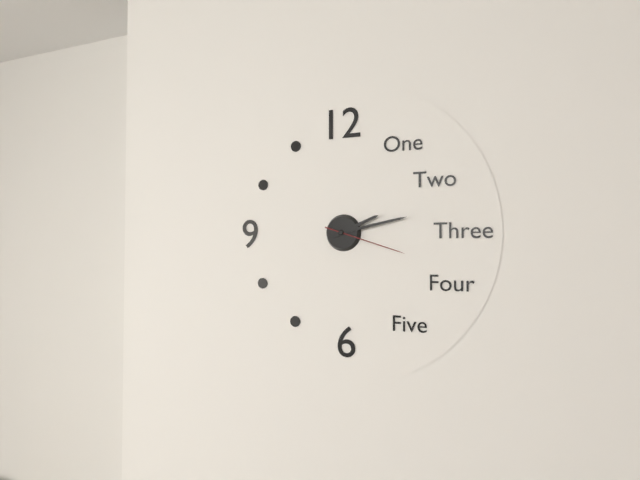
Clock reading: 2.13.18
